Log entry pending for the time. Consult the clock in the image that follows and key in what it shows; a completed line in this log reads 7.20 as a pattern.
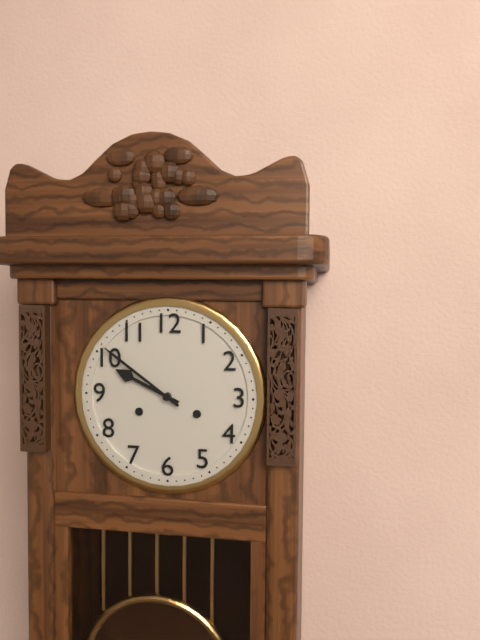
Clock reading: 9.51
